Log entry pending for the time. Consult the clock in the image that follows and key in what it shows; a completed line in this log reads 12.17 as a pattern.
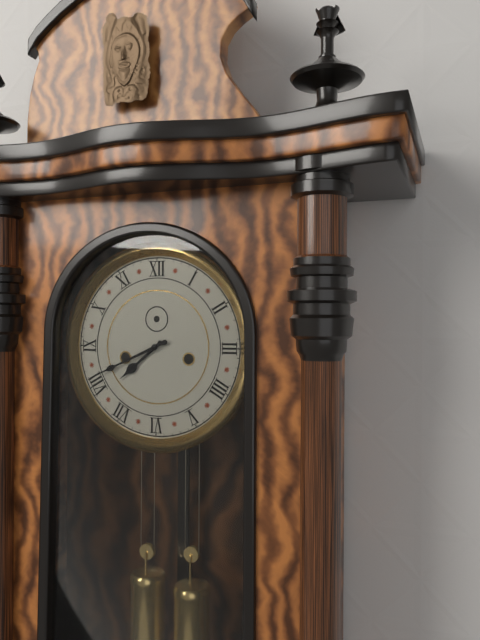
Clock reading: 7.41
